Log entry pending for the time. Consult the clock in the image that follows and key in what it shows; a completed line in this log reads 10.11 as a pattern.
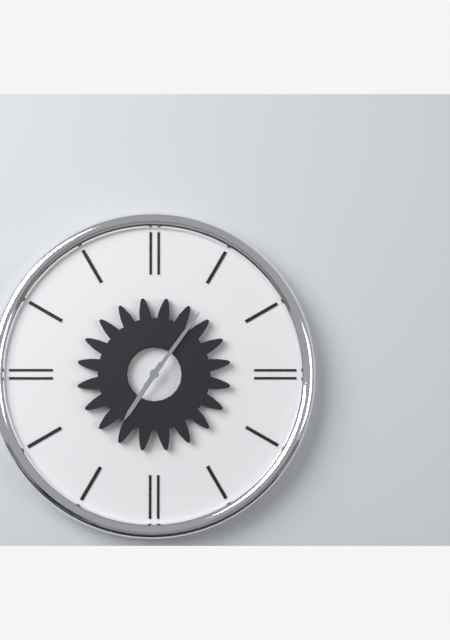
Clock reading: 7.06
